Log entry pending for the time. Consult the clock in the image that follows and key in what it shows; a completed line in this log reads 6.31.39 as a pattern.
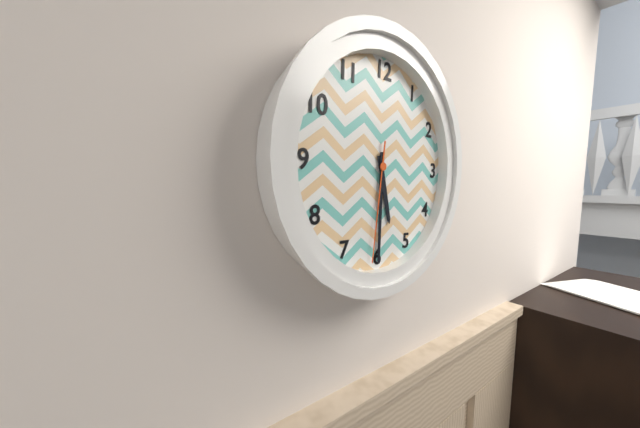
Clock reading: 5.30.31
